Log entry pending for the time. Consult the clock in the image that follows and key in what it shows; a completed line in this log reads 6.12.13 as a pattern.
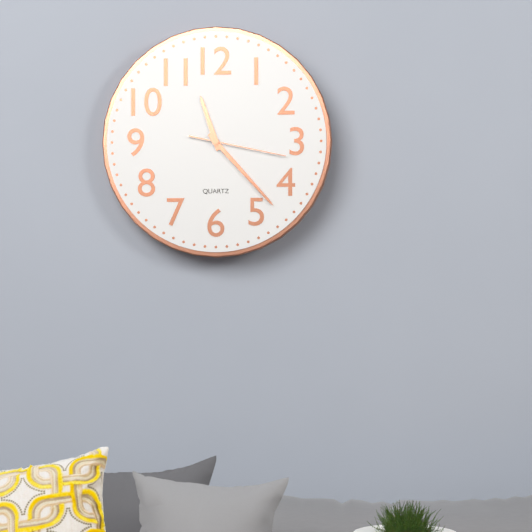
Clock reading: 11.23.17
